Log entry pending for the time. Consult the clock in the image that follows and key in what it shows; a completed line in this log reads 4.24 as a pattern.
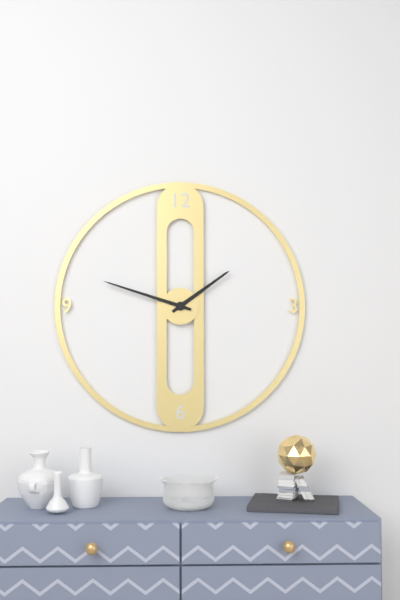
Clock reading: 1.48
